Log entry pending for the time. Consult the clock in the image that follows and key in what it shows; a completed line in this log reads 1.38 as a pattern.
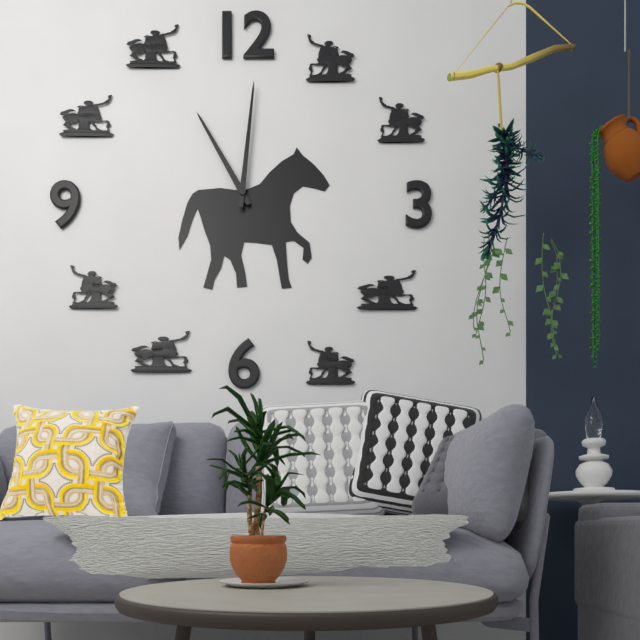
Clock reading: 11.01
